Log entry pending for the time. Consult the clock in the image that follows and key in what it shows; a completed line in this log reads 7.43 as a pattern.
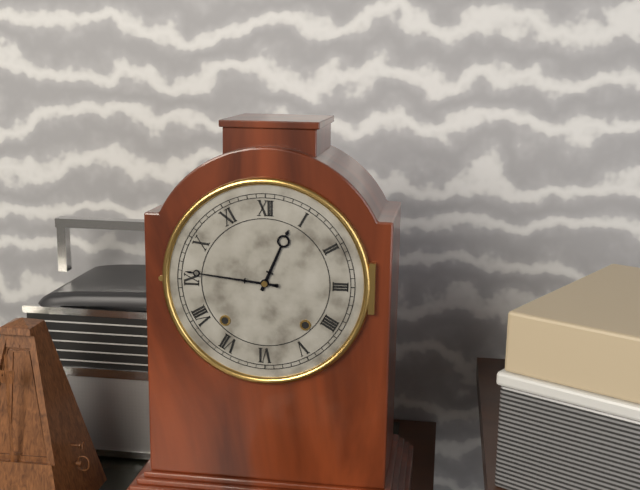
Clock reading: 12.46
